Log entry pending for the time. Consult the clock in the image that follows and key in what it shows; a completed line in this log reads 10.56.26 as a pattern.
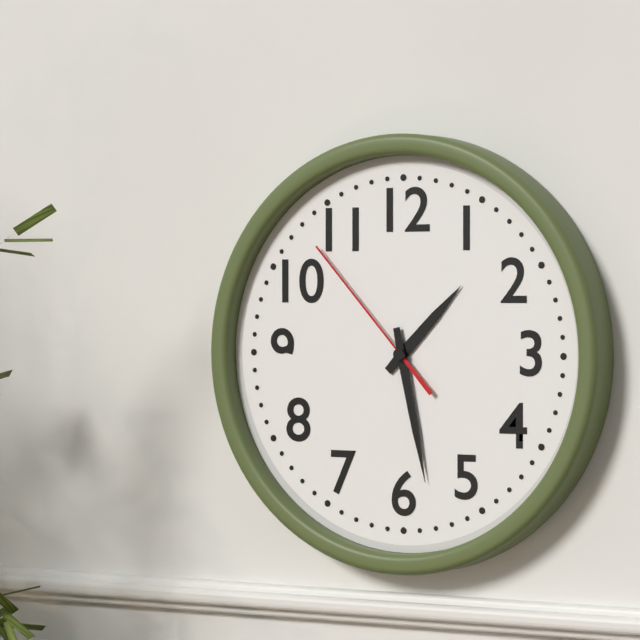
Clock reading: 1.28.53
